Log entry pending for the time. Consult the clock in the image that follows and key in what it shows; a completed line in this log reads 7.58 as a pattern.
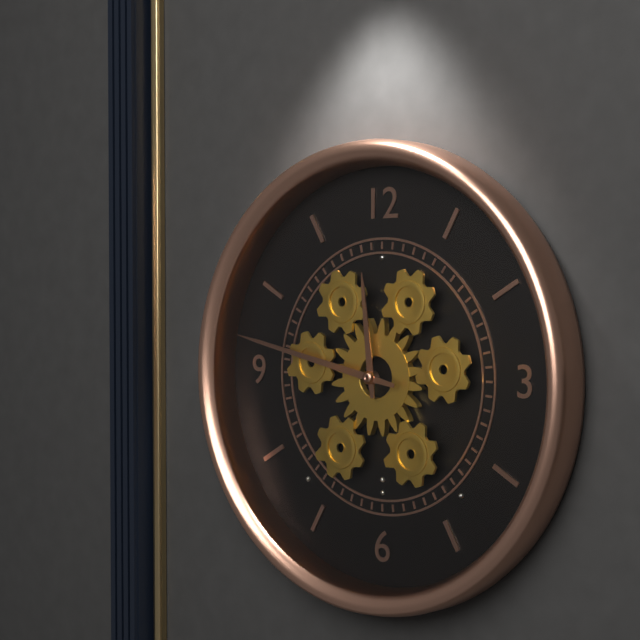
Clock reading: 11.47
